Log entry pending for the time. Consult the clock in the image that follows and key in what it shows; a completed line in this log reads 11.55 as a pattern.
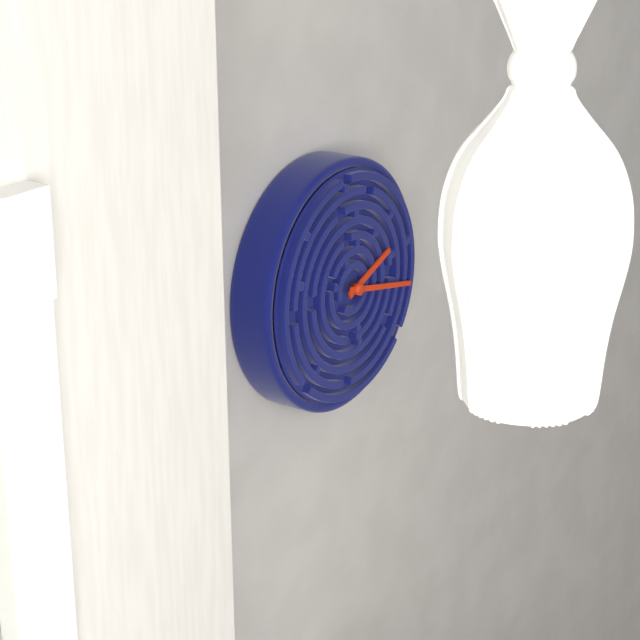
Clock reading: 2.17
